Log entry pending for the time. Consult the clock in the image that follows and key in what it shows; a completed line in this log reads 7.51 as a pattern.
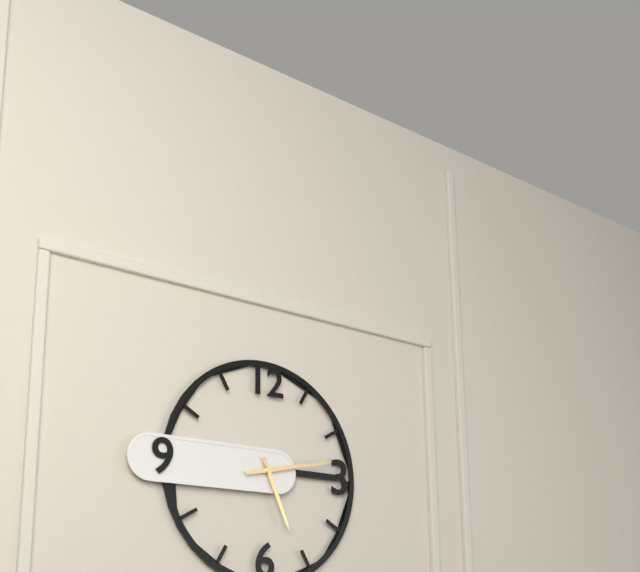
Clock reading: 5.13
